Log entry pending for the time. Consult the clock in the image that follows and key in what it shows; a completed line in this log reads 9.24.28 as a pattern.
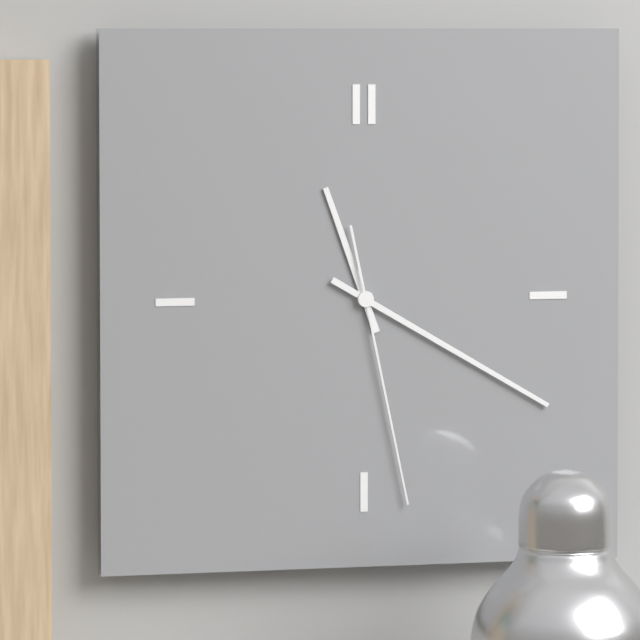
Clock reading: 11.20.28
